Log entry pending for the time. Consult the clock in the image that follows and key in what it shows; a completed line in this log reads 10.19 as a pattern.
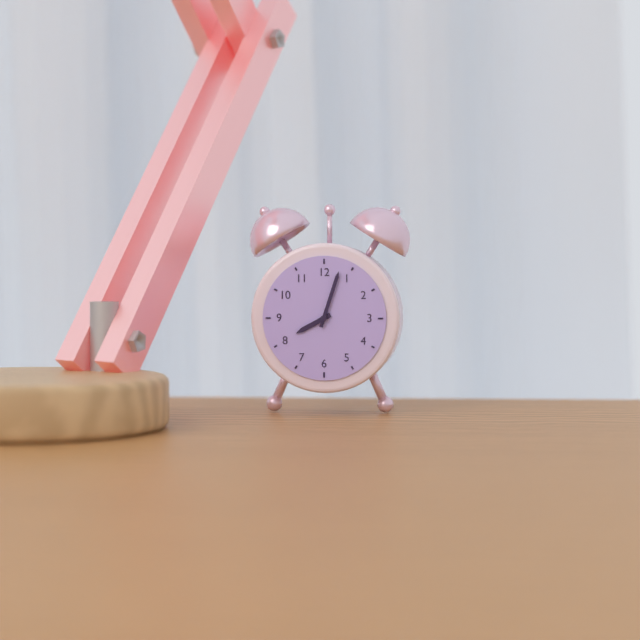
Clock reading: 8.03
